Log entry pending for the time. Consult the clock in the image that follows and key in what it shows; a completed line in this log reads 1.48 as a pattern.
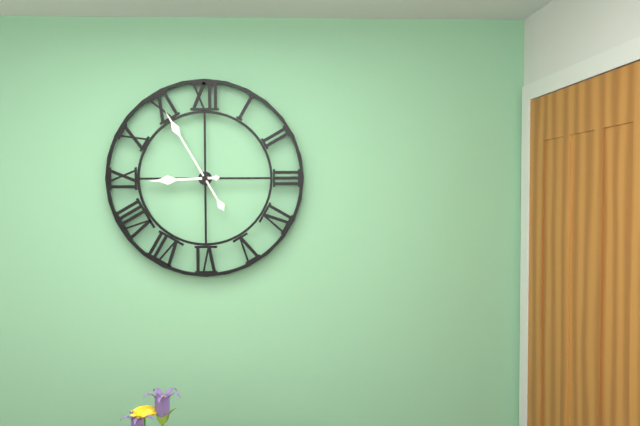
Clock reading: 8.55
